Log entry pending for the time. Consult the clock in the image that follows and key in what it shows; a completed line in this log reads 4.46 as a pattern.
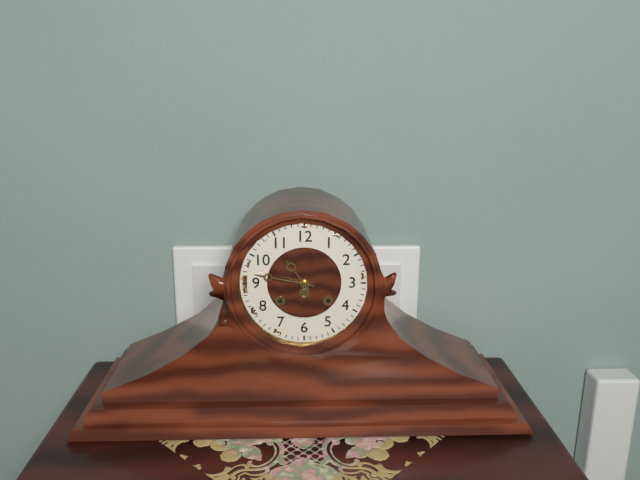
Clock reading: 10.47
